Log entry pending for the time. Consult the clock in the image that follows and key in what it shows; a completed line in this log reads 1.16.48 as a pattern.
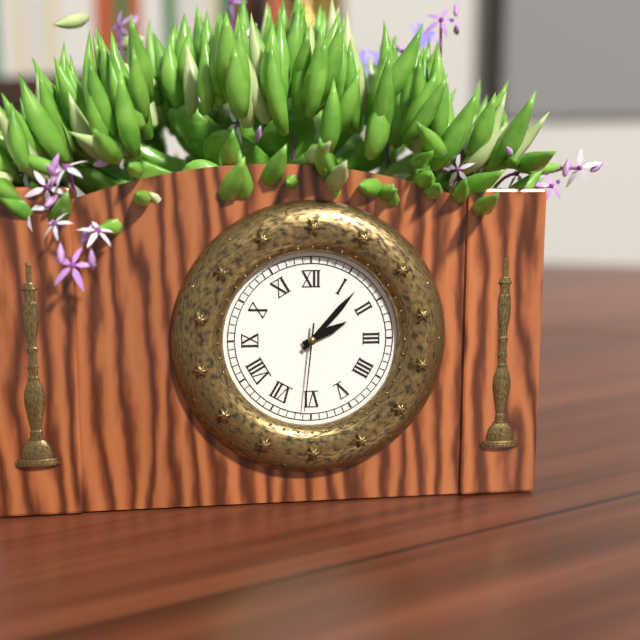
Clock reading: 2.07.31
